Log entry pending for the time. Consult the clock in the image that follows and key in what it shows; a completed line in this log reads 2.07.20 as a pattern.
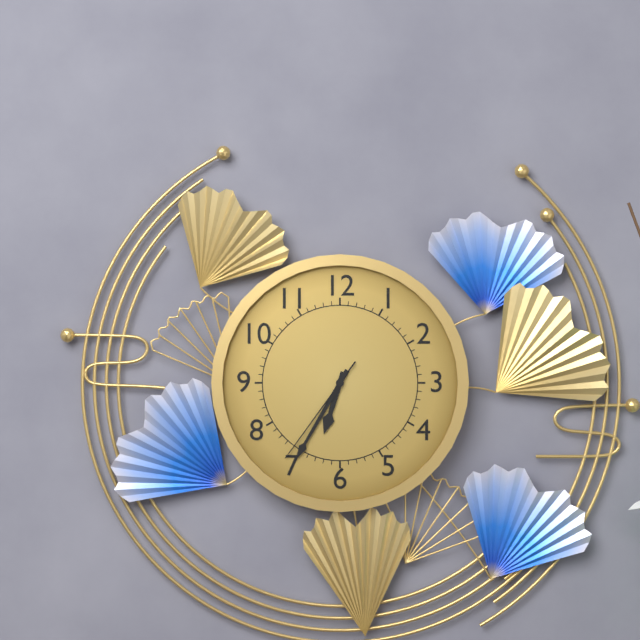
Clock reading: 6.35.36
